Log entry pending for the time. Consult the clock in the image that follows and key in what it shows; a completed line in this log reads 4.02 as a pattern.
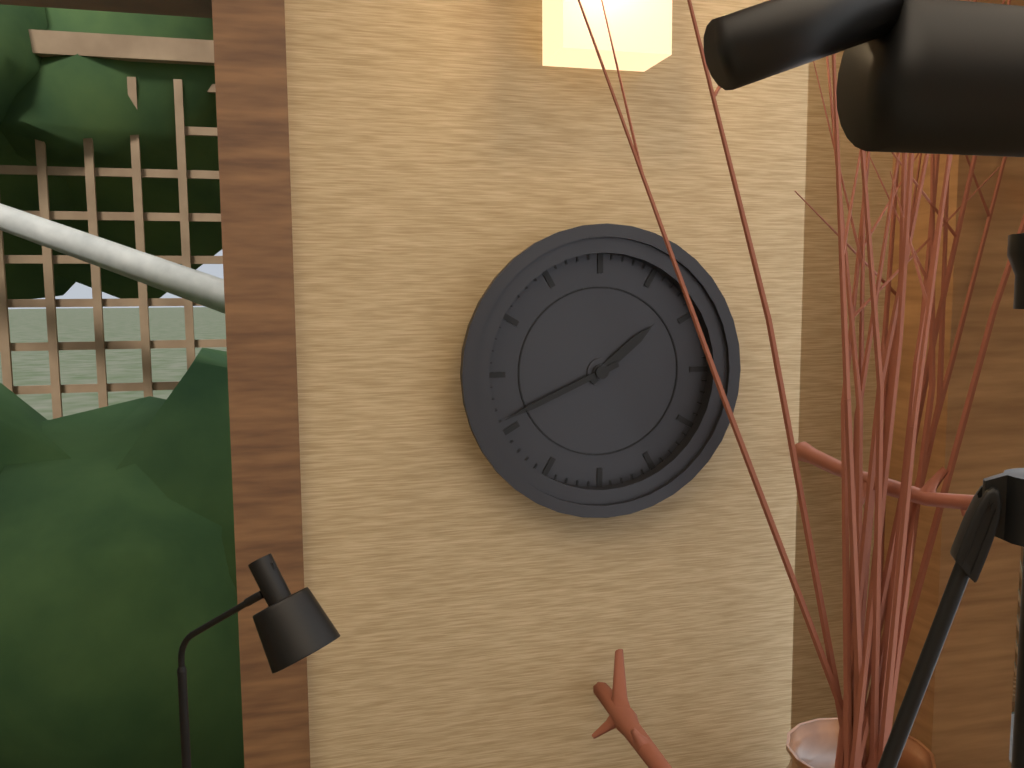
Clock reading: 1.41
